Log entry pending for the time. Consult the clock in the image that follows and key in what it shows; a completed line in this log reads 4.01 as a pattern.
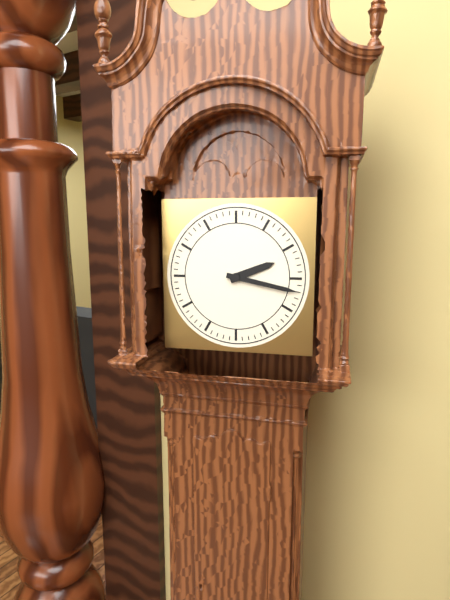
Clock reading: 2.17
